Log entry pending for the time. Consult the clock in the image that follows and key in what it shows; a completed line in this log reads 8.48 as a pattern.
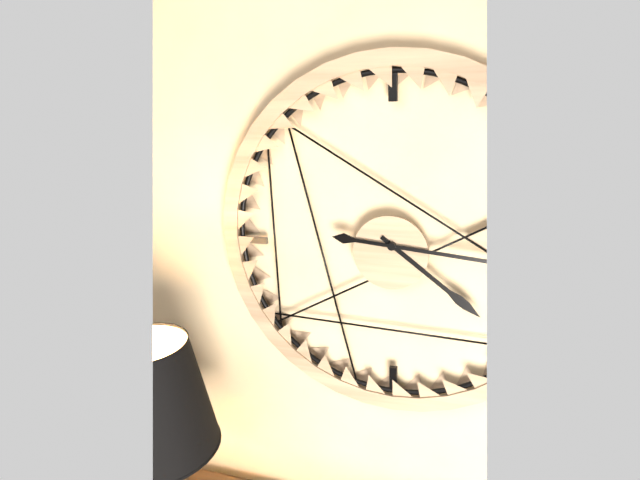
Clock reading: 4.16
